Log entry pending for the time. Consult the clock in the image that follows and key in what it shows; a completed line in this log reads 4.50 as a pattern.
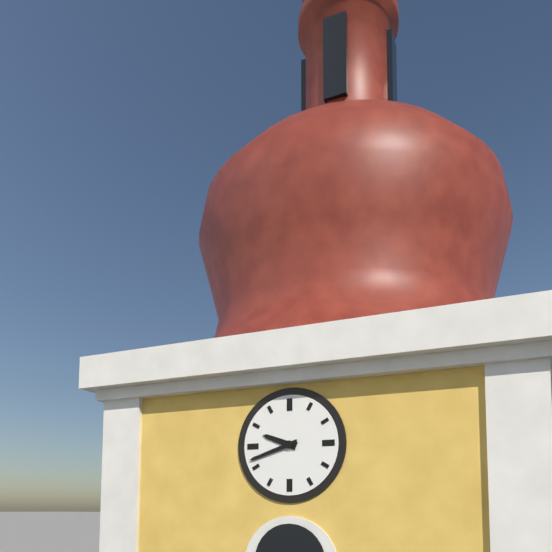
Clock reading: 9.42
